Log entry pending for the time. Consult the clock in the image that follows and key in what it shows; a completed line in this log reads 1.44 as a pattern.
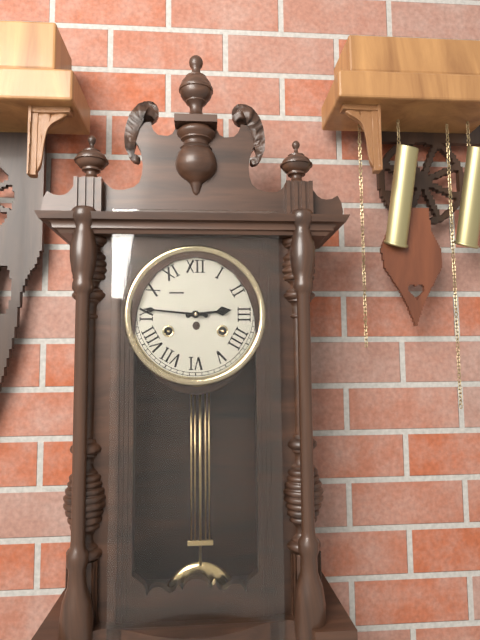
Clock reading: 2.46
